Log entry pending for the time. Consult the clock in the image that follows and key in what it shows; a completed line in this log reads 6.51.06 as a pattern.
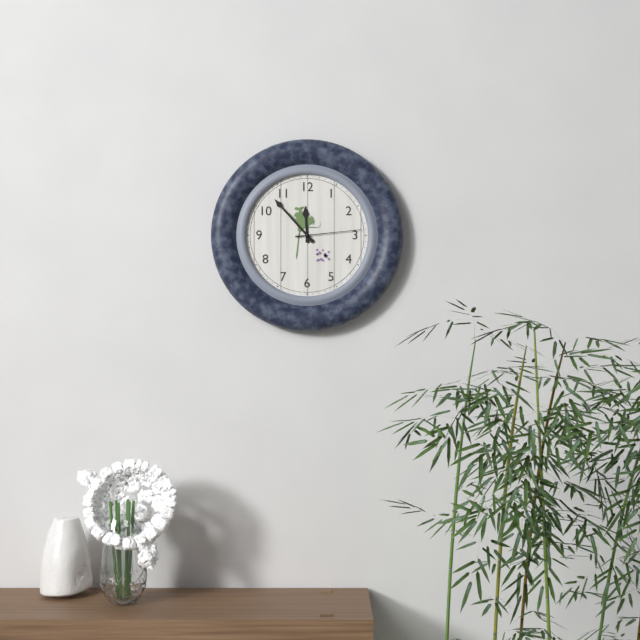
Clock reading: 11.53.14
